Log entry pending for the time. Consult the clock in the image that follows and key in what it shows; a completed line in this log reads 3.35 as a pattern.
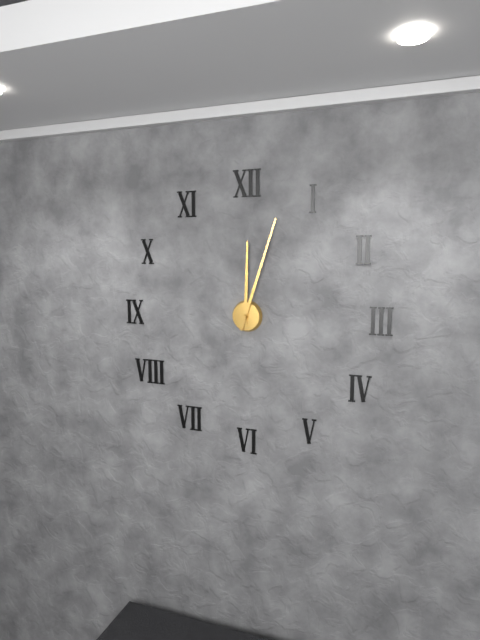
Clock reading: 12.03
